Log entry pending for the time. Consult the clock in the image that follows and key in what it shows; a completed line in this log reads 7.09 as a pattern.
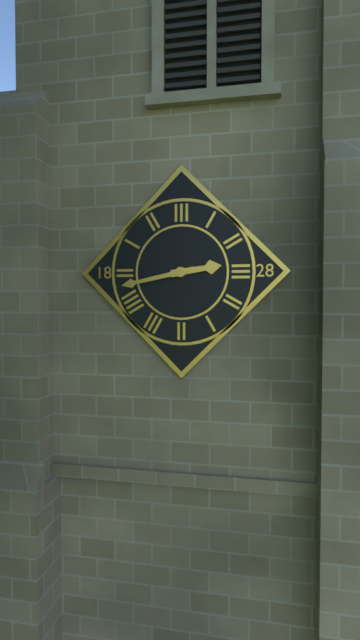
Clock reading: 2.43
